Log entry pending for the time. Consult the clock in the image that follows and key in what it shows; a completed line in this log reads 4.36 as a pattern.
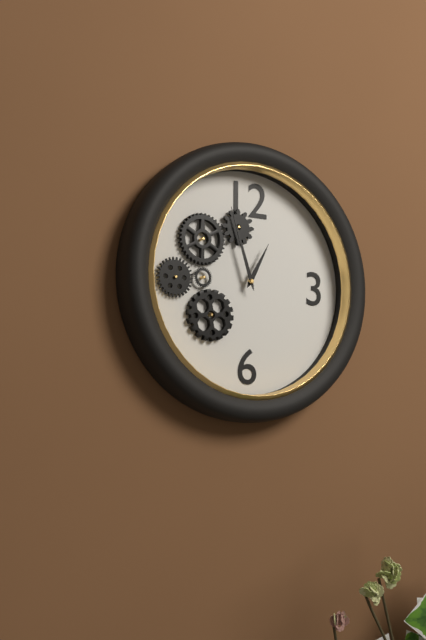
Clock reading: 12.57
